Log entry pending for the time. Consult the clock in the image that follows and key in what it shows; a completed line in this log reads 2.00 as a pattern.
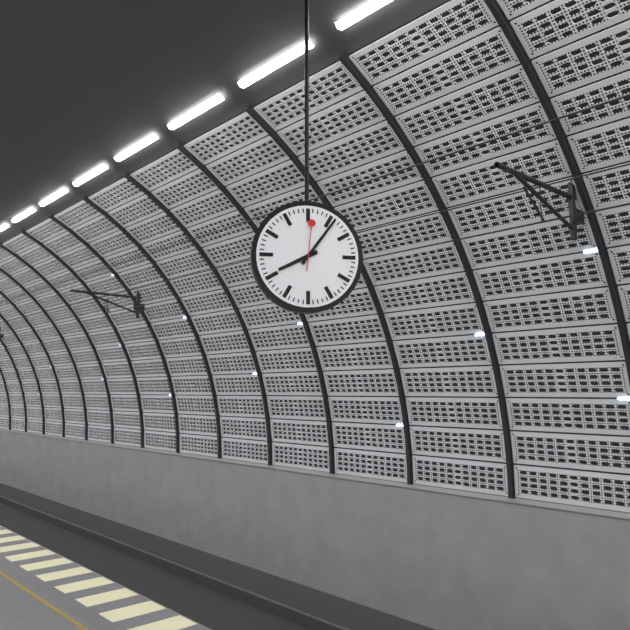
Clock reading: 8.06
